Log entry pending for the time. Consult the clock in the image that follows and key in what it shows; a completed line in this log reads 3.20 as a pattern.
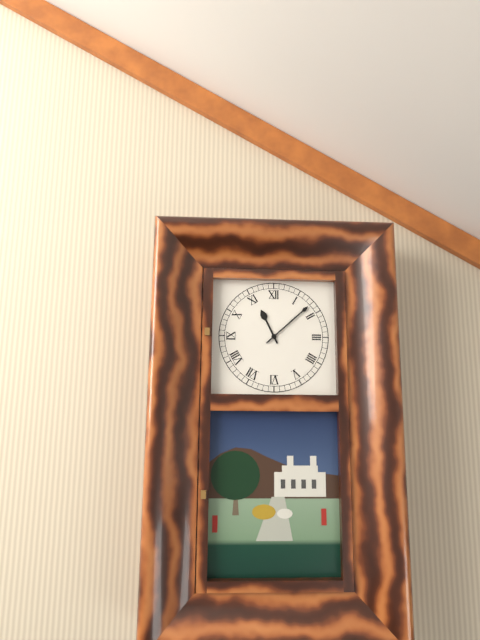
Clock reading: 11.08
